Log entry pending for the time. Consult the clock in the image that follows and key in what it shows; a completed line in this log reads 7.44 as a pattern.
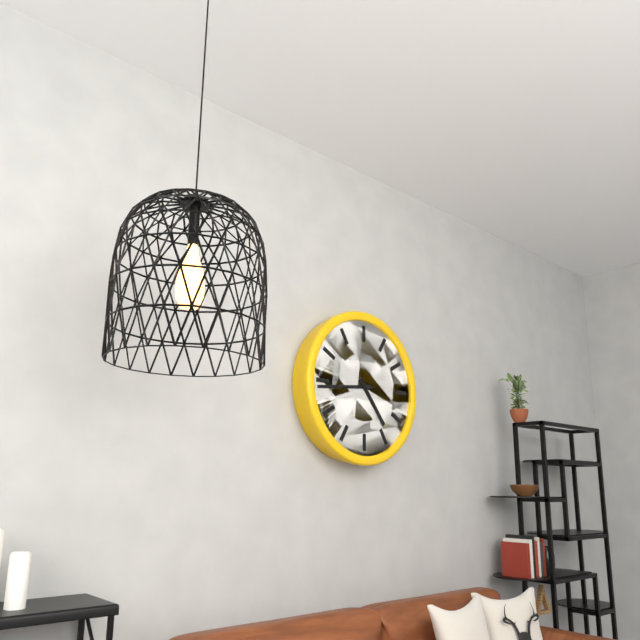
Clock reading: 4.44
